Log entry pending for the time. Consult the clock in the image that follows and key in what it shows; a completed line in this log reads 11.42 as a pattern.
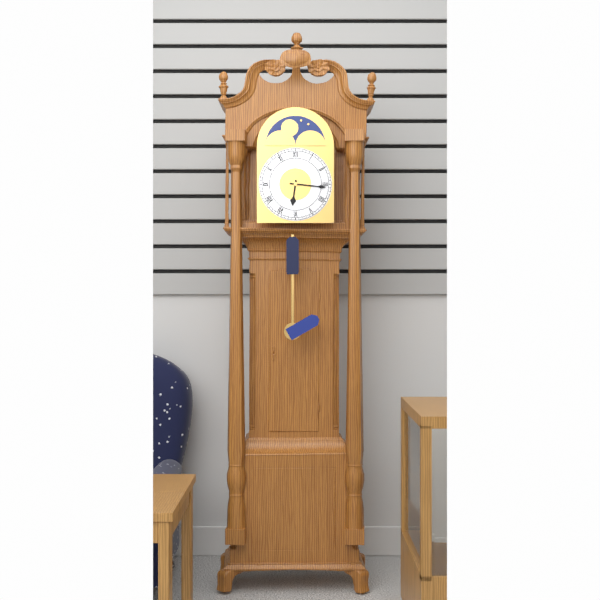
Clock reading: 6.16
